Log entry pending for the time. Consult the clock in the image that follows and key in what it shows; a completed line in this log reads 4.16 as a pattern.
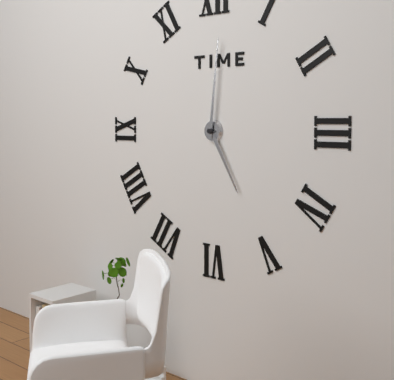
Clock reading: 5.01
